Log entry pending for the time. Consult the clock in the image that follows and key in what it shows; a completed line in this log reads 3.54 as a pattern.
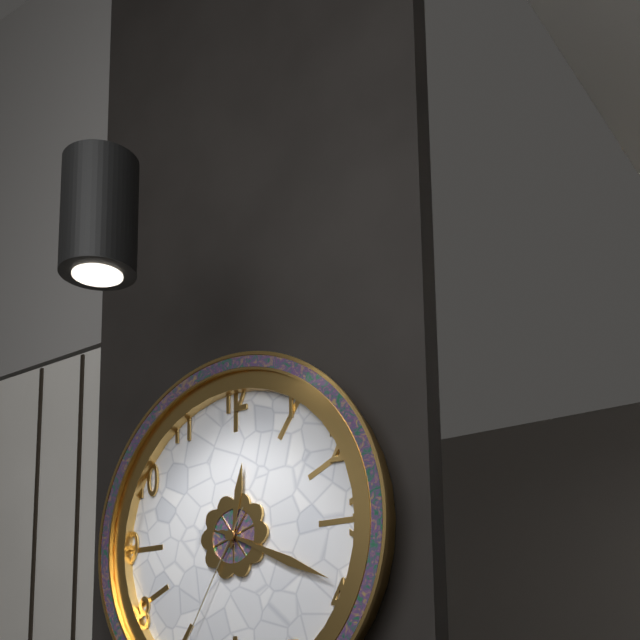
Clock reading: 12.19
